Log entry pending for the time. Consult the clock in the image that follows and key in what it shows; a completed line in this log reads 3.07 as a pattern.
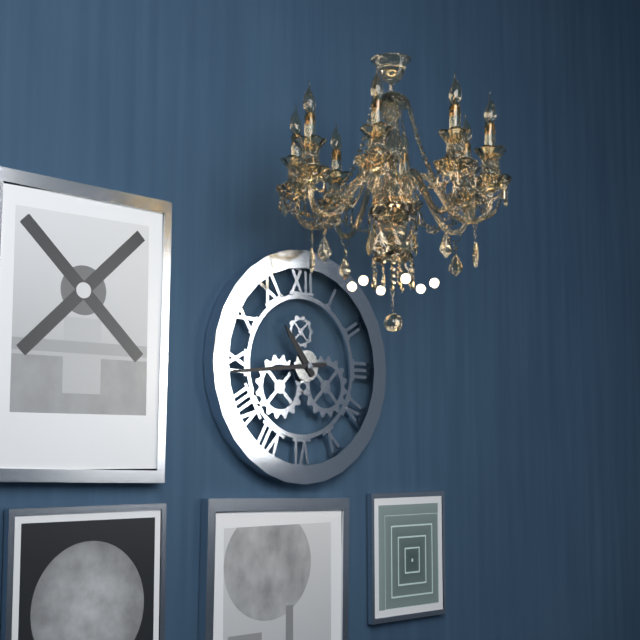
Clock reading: 10.44
